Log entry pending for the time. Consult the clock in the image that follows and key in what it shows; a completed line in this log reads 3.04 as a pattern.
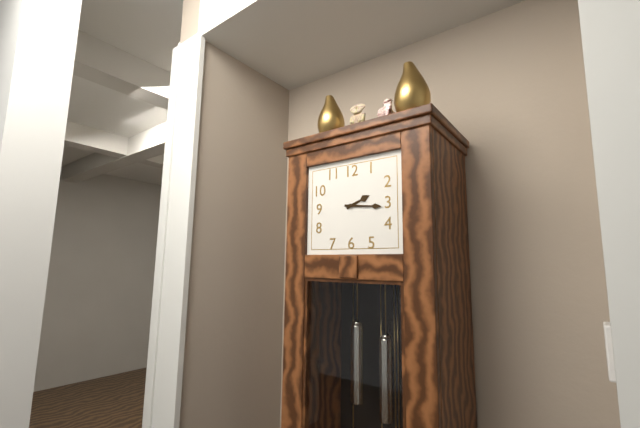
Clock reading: 2.16
